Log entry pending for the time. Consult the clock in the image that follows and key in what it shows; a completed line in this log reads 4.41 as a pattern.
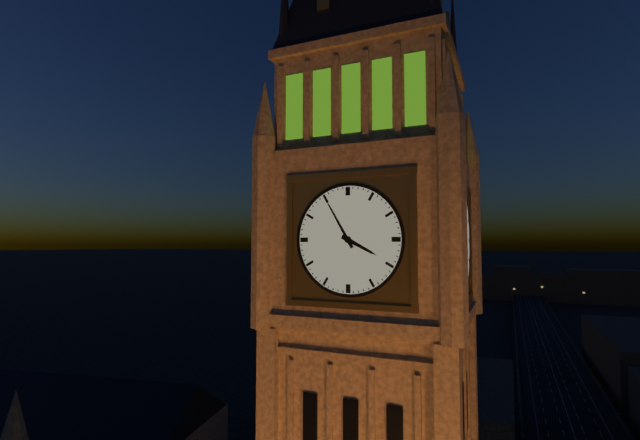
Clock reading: 3.55
